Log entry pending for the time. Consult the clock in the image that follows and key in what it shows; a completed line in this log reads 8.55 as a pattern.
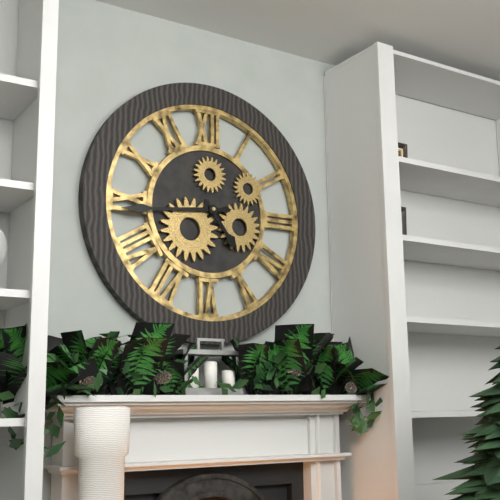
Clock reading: 4.44
